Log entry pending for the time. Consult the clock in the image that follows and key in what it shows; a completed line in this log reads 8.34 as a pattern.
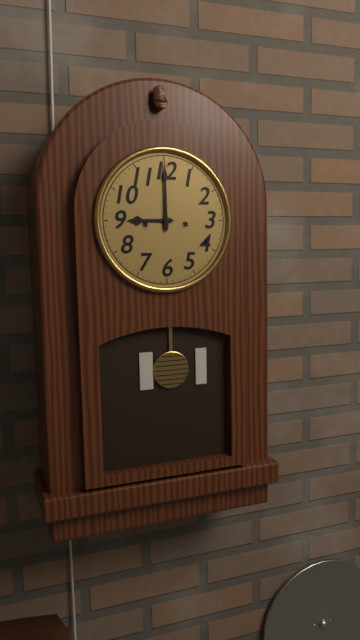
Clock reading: 9.00
